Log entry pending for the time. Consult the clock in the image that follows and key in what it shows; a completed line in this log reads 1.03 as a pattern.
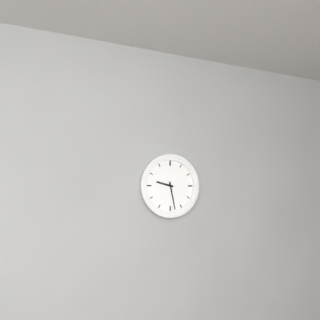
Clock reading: 9.28
